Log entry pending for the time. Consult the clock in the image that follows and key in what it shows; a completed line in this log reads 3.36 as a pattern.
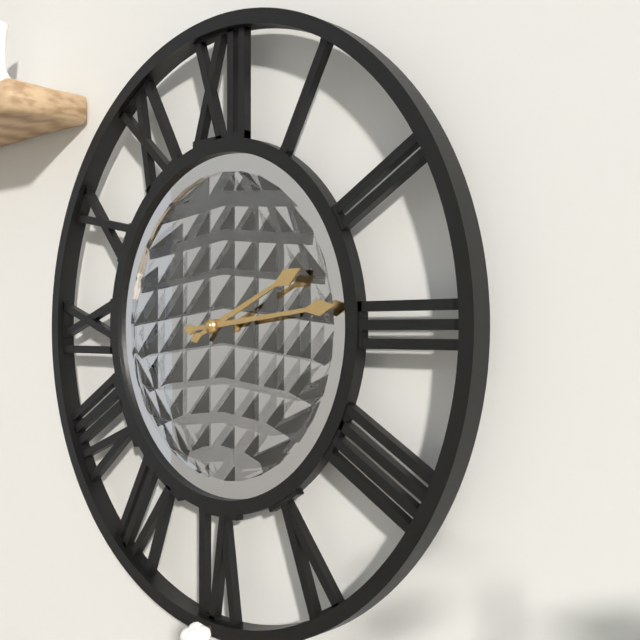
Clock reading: 2.14
